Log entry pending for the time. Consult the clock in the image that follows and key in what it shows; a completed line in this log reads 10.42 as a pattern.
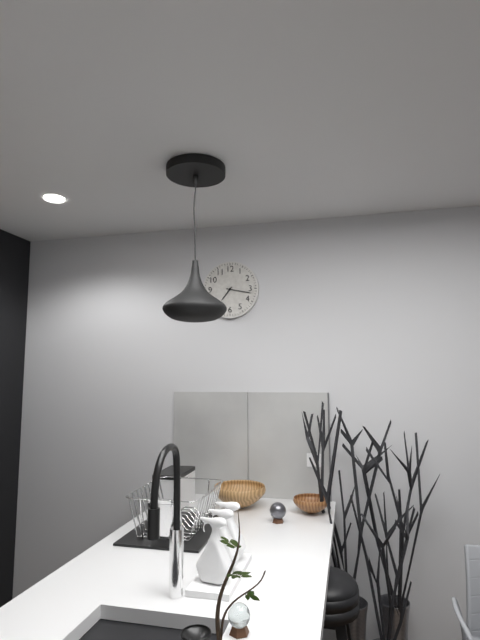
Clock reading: 7.17
